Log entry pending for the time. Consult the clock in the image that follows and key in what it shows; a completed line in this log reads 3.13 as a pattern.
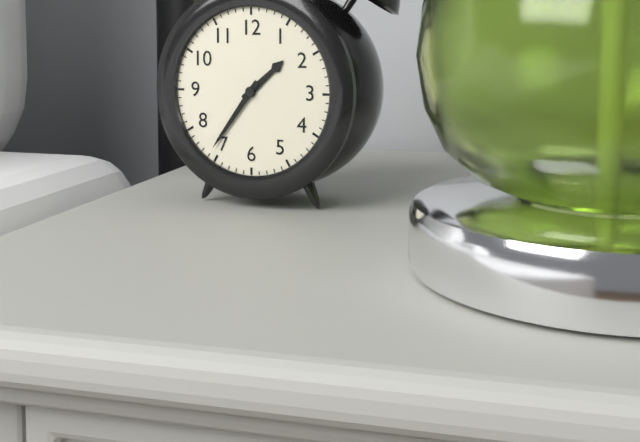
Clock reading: 1.36
